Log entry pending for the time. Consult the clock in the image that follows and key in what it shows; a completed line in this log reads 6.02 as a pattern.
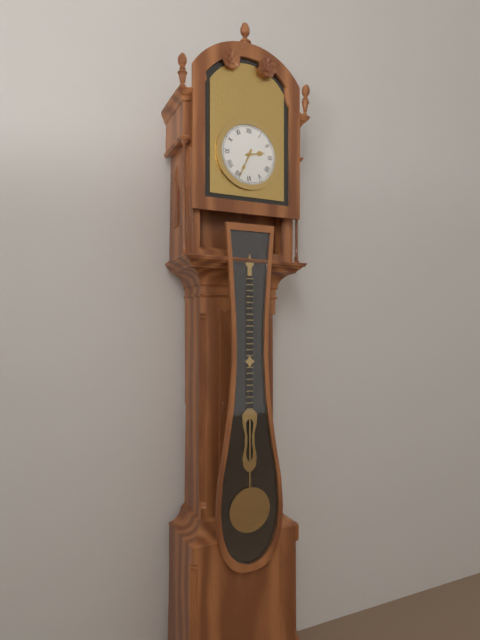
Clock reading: 2.34
